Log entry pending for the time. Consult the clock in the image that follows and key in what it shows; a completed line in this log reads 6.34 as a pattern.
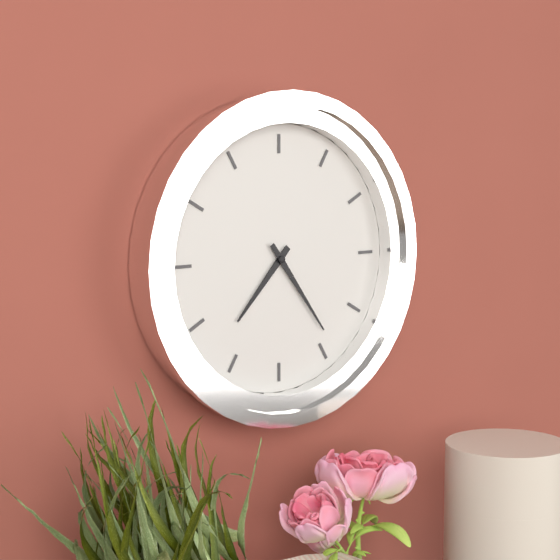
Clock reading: 7.24
